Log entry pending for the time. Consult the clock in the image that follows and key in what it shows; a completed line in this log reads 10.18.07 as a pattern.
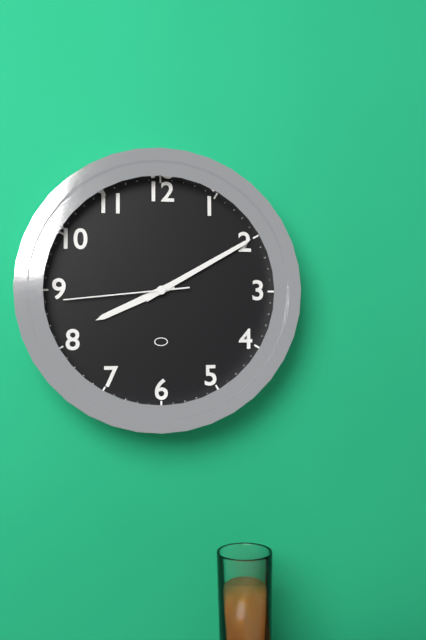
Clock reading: 8.10.44
